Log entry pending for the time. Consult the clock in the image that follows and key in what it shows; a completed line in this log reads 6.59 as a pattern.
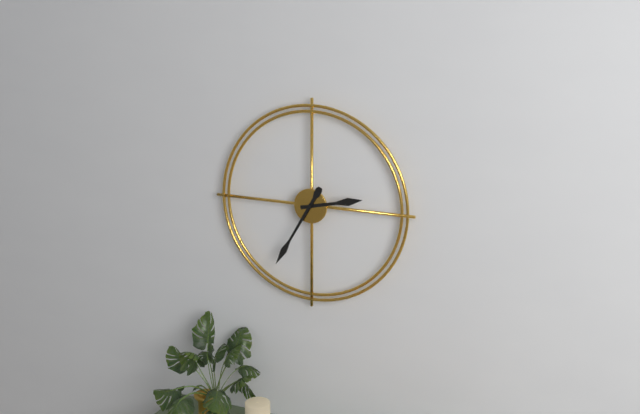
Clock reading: 2.35
